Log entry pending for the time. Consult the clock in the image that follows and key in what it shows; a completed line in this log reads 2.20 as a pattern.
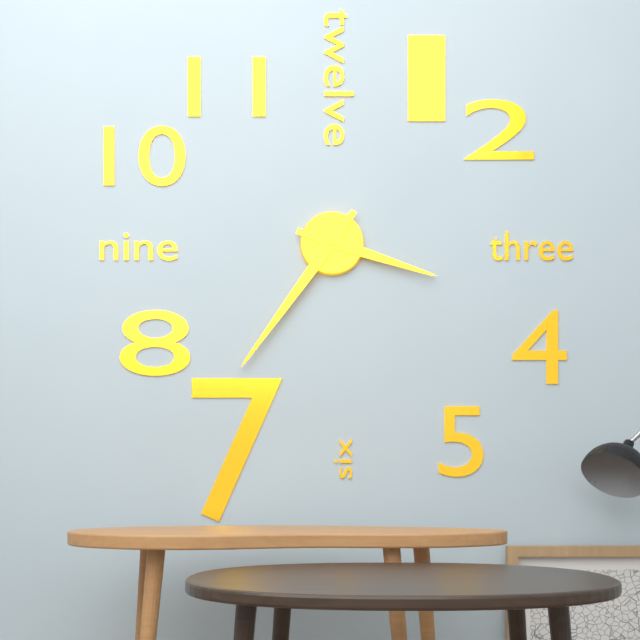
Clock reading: 3.36
